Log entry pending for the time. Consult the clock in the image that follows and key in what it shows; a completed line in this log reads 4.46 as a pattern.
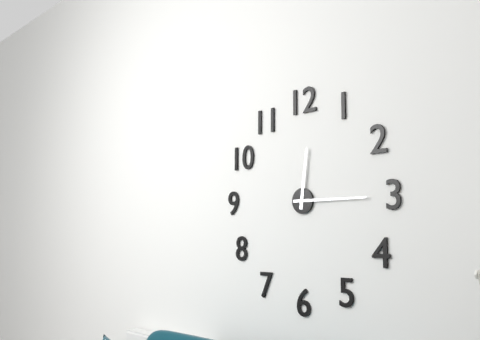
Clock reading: 12.15
